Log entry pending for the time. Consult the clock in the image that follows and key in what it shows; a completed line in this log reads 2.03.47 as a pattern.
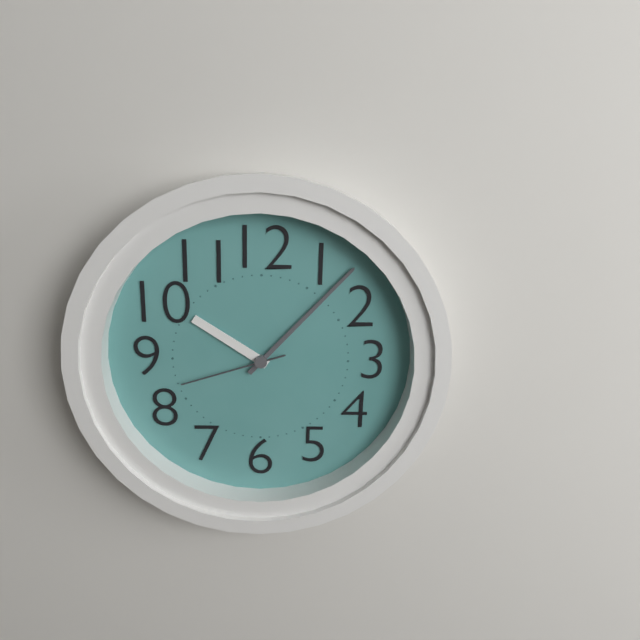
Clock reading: 10.07.42
